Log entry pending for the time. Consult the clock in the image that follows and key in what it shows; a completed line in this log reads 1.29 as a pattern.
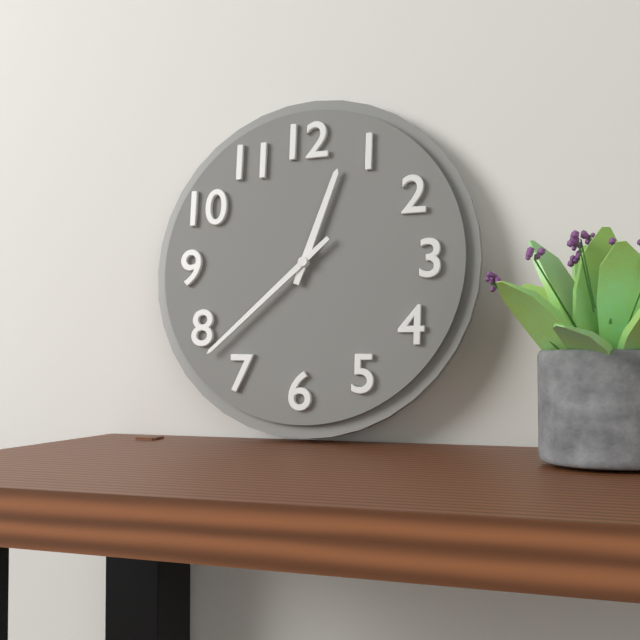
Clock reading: 12.38
